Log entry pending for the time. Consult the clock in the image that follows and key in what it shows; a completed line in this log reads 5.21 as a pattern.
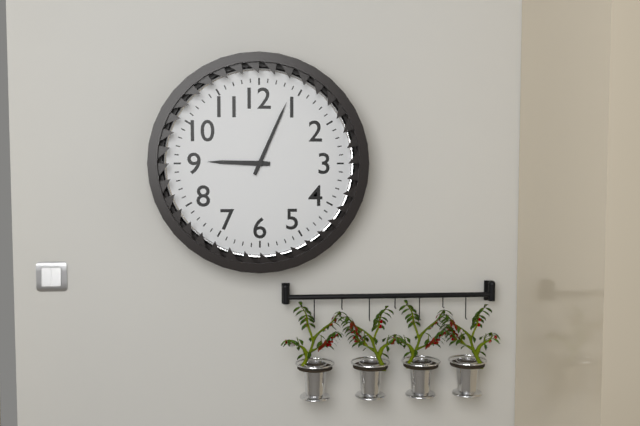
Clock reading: 9.04
